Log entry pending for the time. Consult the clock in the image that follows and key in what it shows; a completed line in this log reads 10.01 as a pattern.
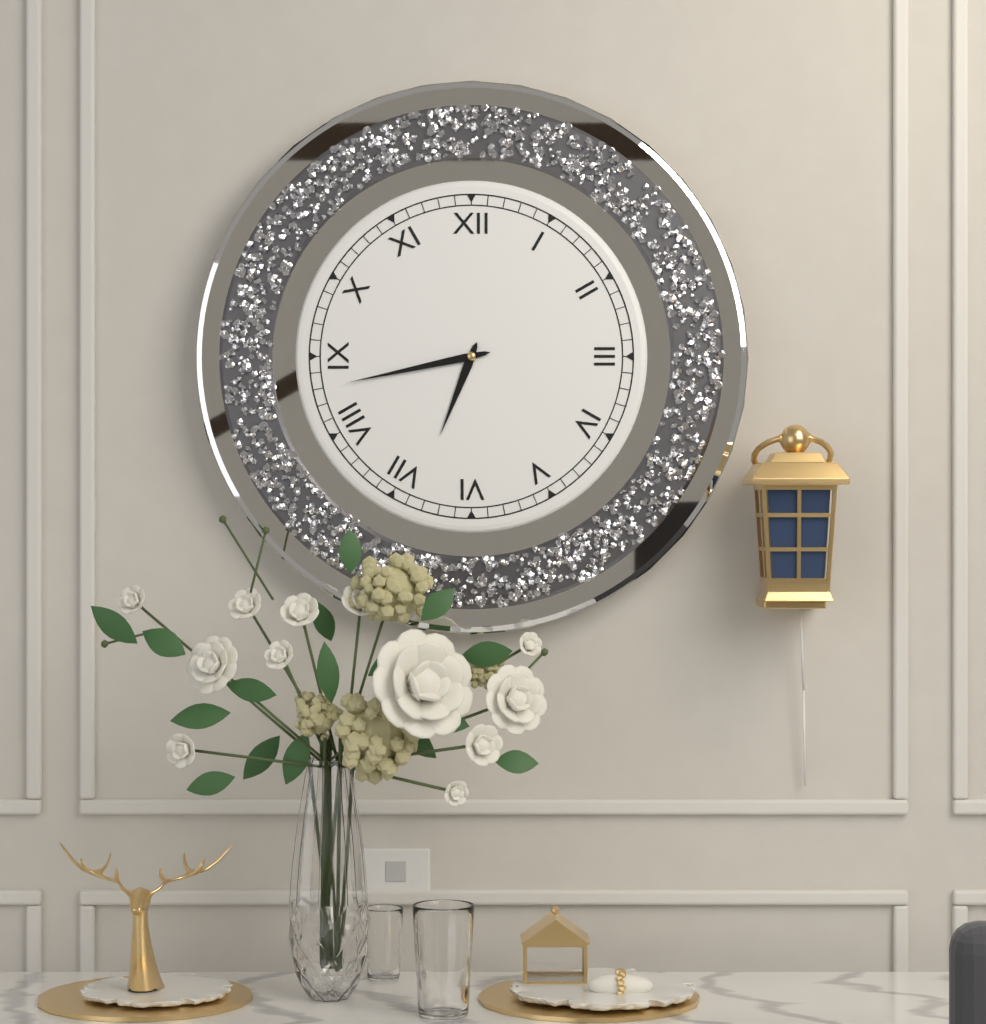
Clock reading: 6.43
